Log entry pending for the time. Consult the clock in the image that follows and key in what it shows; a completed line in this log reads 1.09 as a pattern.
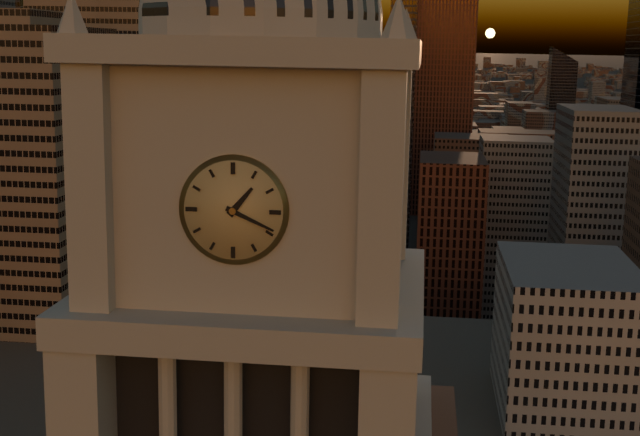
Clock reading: 1.19
